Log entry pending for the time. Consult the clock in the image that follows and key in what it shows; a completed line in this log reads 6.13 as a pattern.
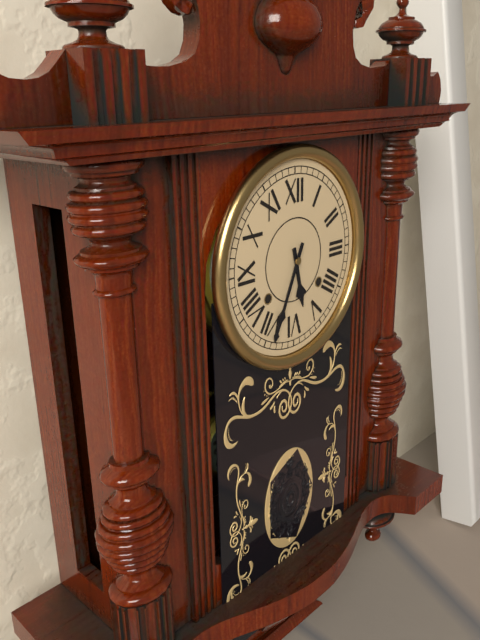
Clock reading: 5.34
